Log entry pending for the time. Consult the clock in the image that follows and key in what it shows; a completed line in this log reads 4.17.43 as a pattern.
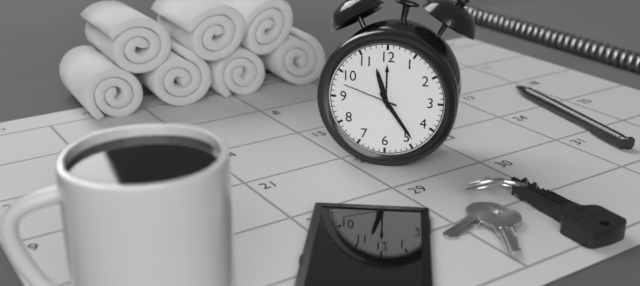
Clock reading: 11.24.48
